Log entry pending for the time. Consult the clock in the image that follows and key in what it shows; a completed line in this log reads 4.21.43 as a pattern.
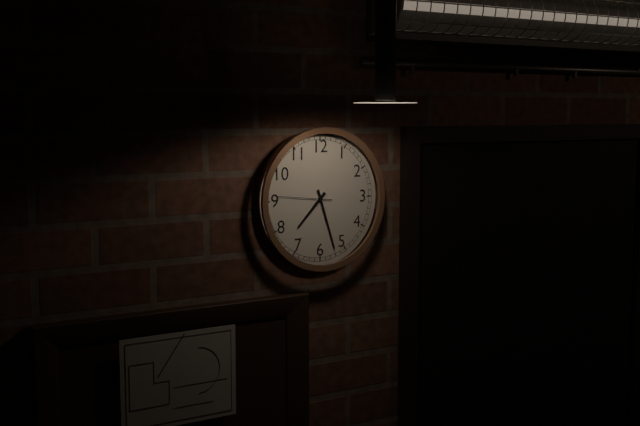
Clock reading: 7.27.46
